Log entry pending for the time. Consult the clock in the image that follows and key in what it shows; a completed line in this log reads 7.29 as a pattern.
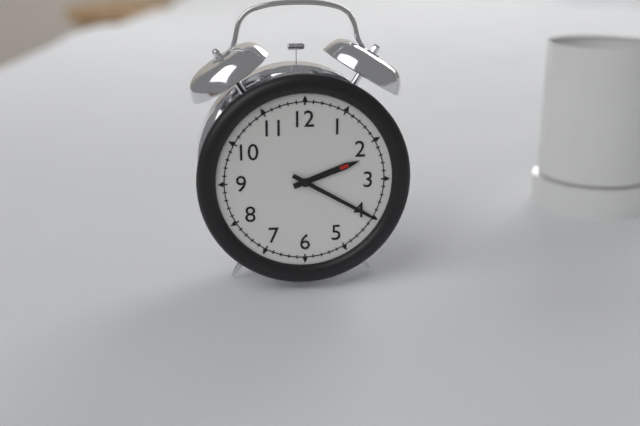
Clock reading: 2.20
